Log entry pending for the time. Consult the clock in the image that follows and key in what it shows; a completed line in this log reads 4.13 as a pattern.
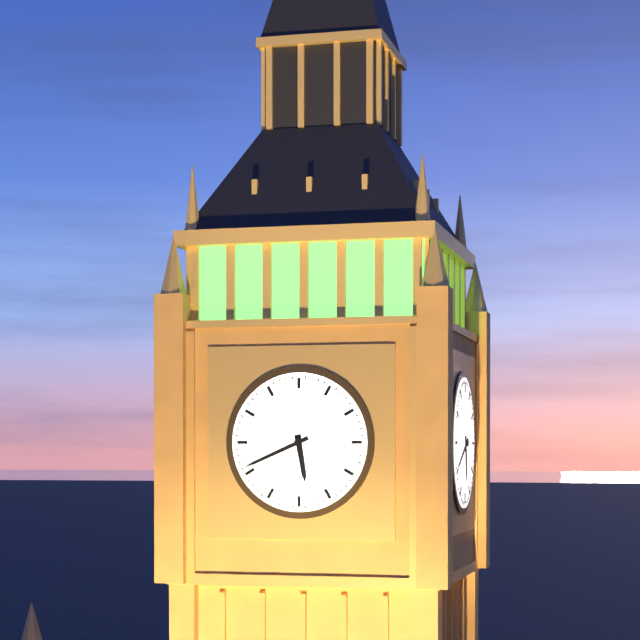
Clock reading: 5.41
